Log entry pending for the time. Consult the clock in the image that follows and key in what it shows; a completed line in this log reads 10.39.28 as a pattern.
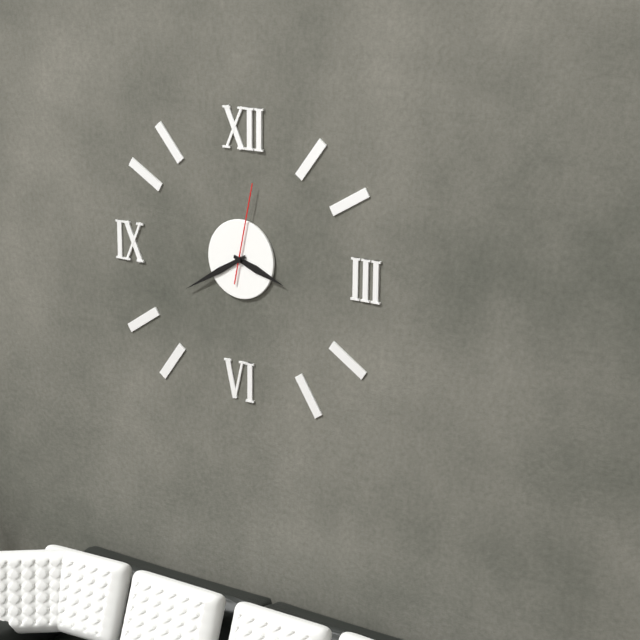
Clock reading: 3.40.02
